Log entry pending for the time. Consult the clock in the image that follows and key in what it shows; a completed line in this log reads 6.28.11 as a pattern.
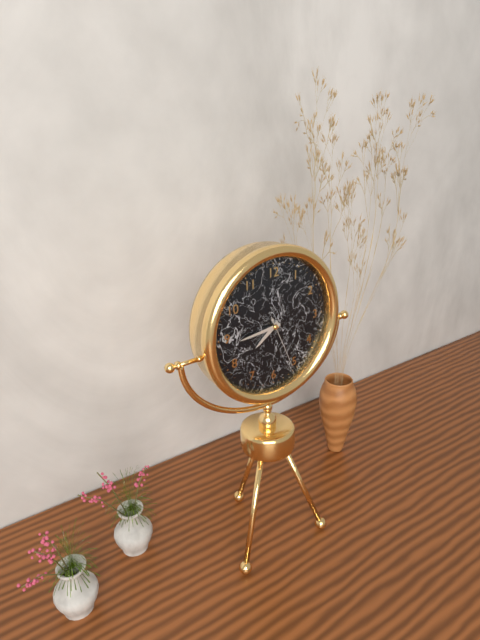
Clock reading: 7.44.26
